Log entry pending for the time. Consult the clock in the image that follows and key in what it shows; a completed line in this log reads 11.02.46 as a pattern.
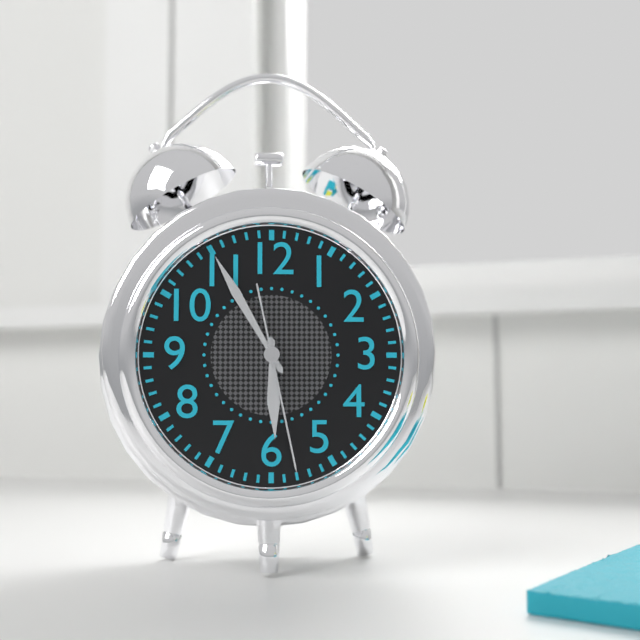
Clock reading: 5.55.28
